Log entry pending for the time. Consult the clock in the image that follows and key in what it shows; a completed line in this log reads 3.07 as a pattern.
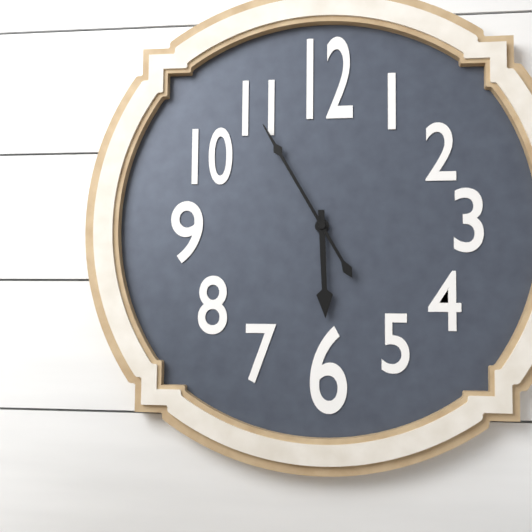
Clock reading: 5.55
